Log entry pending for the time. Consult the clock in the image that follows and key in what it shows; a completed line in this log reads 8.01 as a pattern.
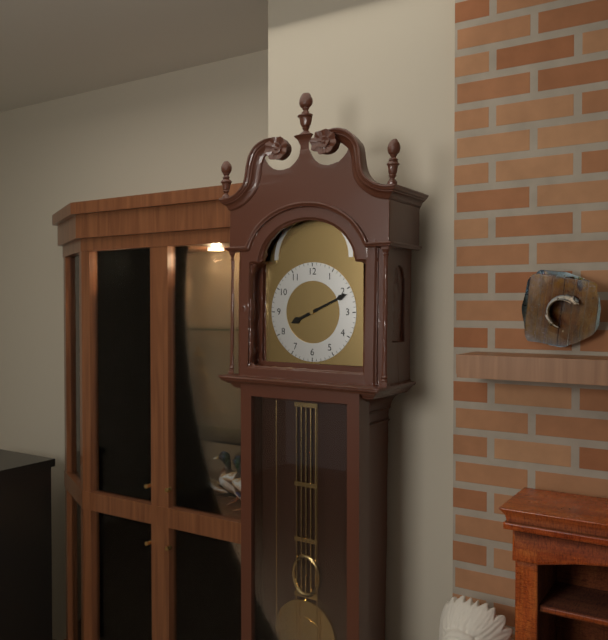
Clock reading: 8.11
